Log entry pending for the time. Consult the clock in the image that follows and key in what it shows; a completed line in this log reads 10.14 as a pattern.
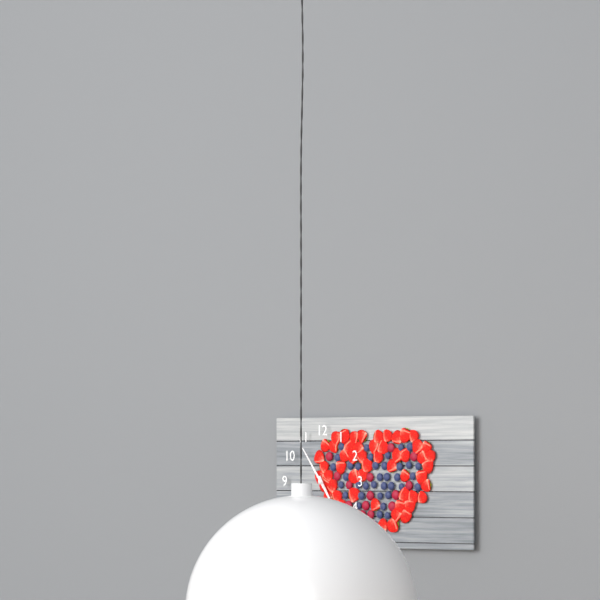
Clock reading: 4.54
